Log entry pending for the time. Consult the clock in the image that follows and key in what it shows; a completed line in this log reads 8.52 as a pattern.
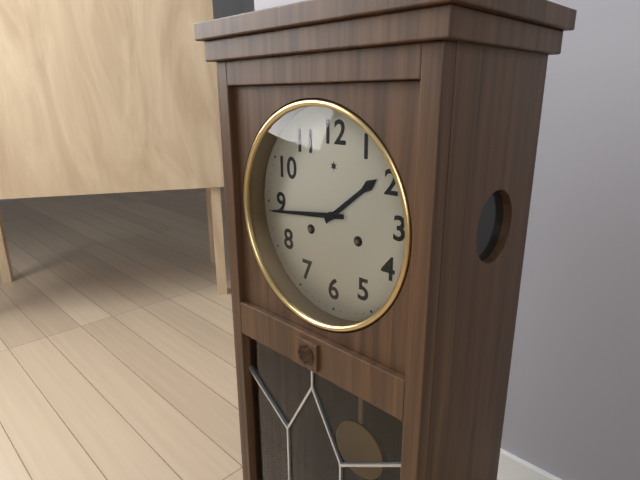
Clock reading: 1.44
